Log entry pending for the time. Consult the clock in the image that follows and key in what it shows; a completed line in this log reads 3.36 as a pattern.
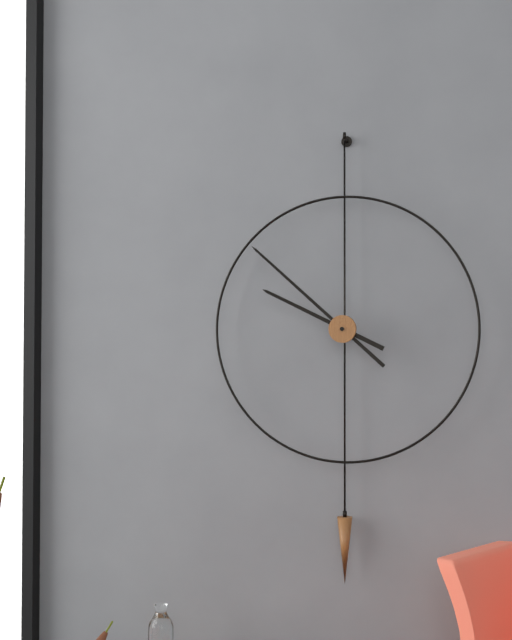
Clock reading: 9.52
